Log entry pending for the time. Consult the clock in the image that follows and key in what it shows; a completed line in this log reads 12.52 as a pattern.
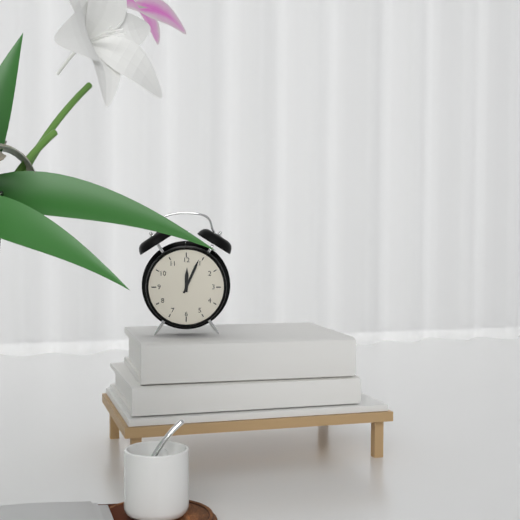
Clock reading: 12.04
